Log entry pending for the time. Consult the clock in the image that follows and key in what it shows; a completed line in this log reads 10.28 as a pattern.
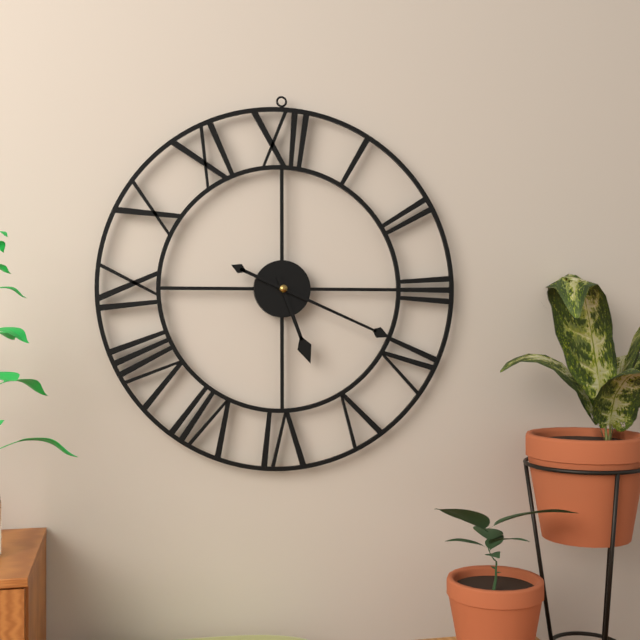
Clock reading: 5.19
